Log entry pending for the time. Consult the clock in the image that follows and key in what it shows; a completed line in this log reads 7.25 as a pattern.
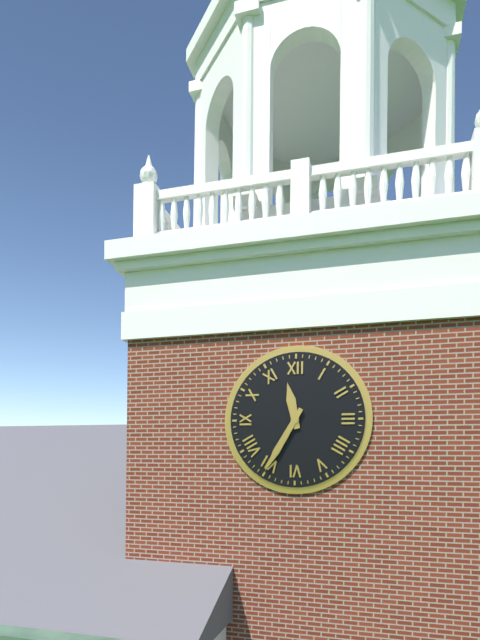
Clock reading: 11.35
